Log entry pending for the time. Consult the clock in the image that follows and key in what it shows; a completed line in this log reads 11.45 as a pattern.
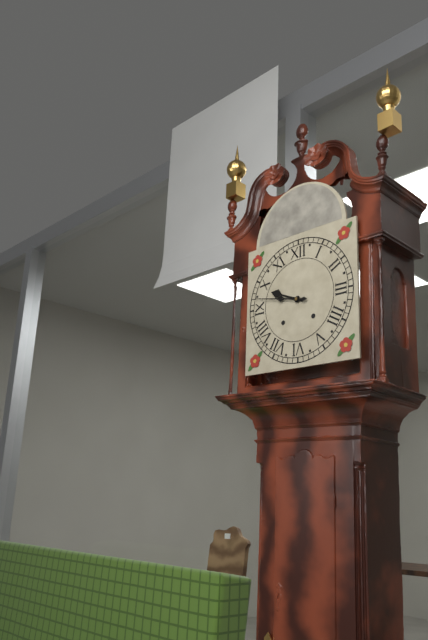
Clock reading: 9.47
